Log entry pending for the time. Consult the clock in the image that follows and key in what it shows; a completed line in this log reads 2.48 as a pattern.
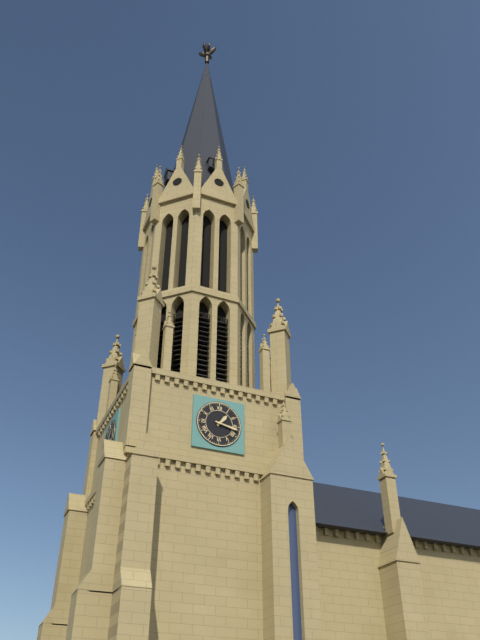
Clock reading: 1.17
